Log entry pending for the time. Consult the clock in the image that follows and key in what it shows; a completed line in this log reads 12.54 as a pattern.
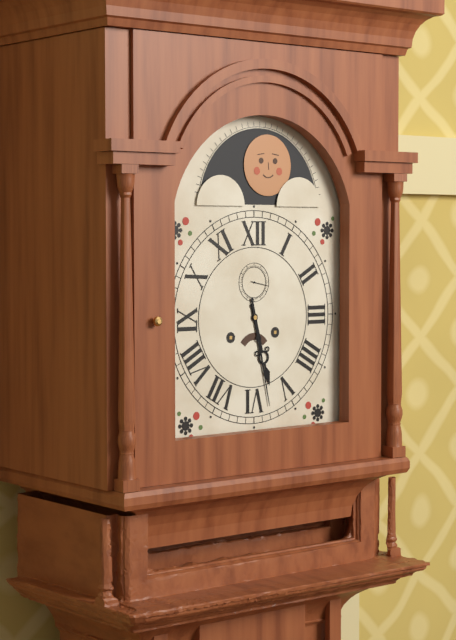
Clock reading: 5.28
